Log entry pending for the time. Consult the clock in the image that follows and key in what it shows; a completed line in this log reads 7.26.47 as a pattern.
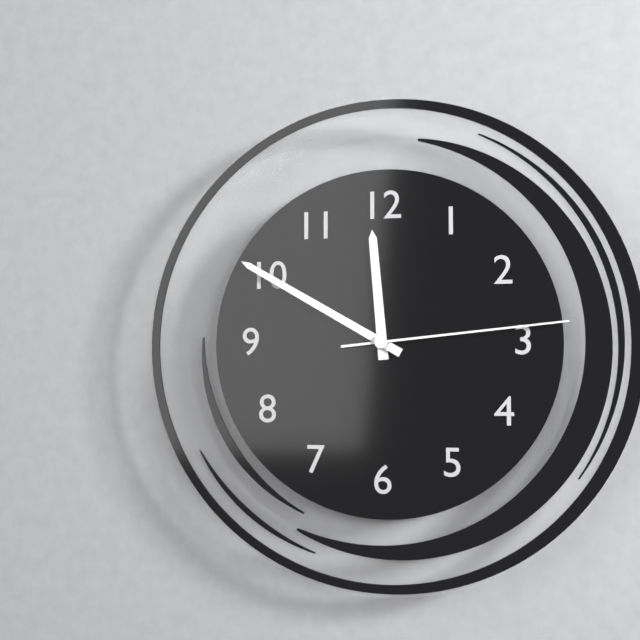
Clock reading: 11.50.14
